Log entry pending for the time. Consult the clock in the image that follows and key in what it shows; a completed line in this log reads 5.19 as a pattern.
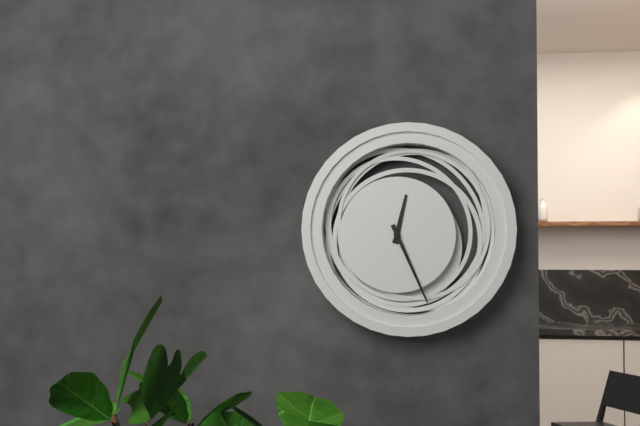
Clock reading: 12.26
